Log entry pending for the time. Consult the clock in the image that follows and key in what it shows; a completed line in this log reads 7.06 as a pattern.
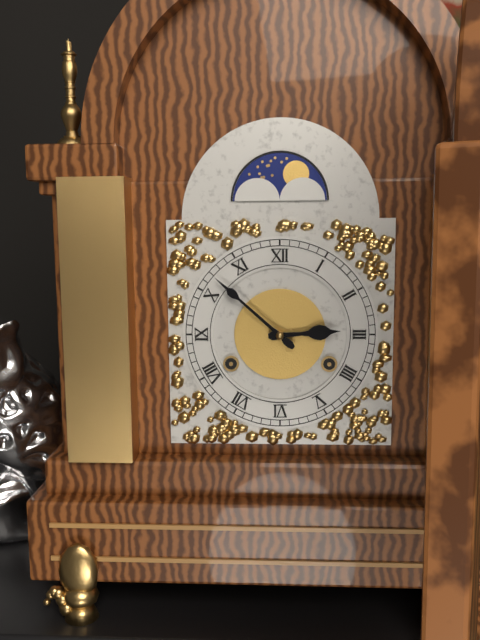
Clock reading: 2.52
